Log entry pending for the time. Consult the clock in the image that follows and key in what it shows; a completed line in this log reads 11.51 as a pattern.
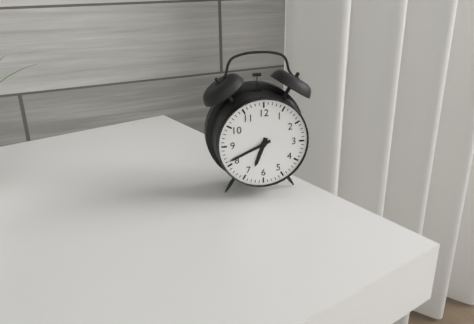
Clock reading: 6.41
